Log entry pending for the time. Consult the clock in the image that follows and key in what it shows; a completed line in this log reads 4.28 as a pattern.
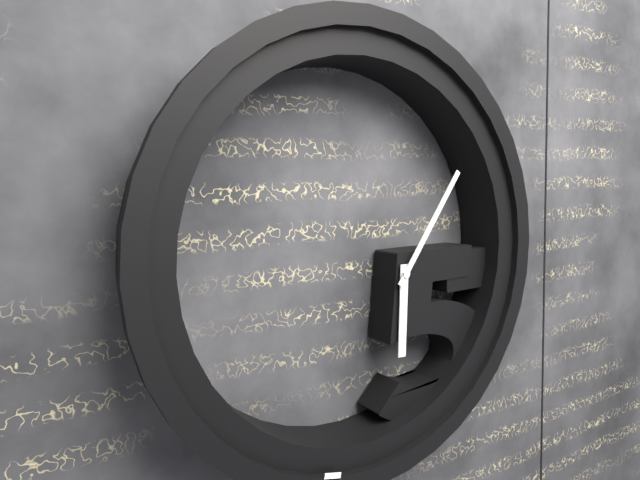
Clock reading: 6.06
